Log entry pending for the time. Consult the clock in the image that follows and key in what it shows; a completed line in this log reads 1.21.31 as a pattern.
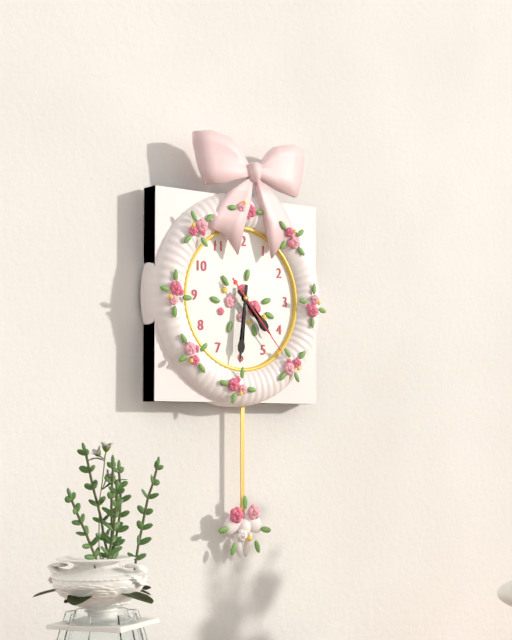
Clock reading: 4.31.23
